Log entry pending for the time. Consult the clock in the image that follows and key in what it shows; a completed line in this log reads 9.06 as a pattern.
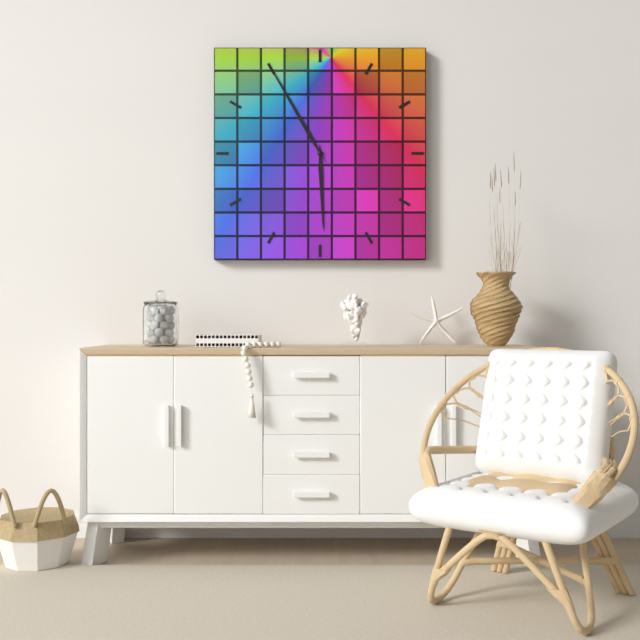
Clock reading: 5.55
